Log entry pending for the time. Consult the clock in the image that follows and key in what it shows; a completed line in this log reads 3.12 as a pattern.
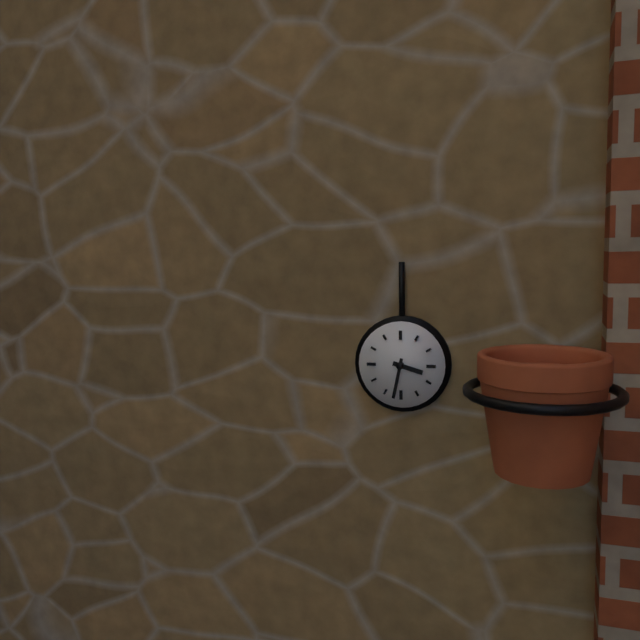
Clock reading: 3.32
